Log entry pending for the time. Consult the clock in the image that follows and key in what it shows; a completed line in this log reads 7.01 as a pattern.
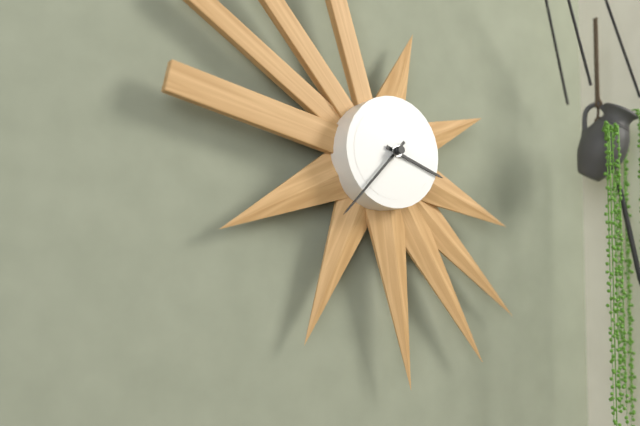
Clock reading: 3.37
